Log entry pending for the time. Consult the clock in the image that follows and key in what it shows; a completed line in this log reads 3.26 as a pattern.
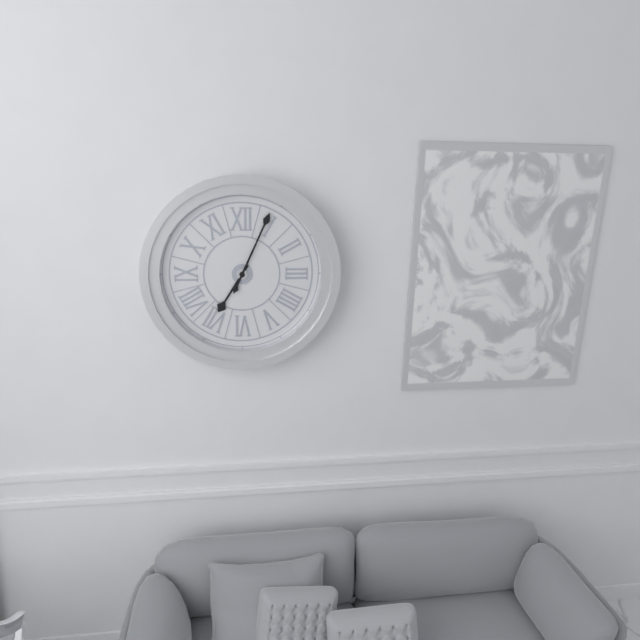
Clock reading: 7.04
